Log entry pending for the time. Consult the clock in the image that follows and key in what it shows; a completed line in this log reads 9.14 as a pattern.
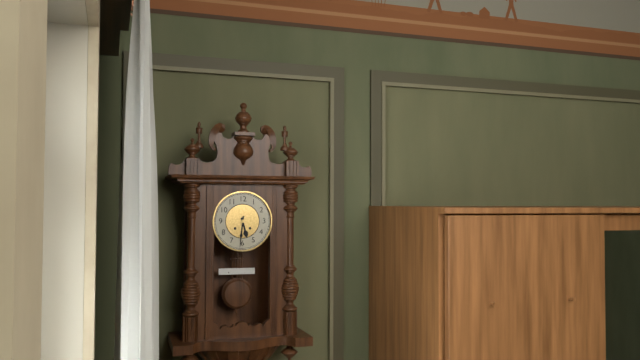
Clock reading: 5.31
